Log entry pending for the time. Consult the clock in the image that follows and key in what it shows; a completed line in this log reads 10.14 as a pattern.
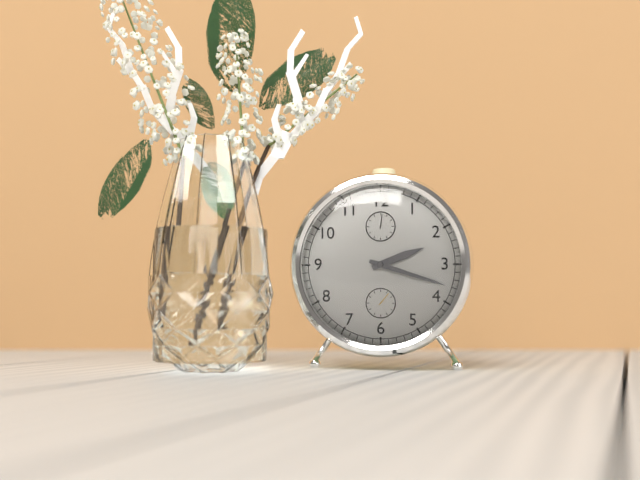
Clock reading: 2.18
